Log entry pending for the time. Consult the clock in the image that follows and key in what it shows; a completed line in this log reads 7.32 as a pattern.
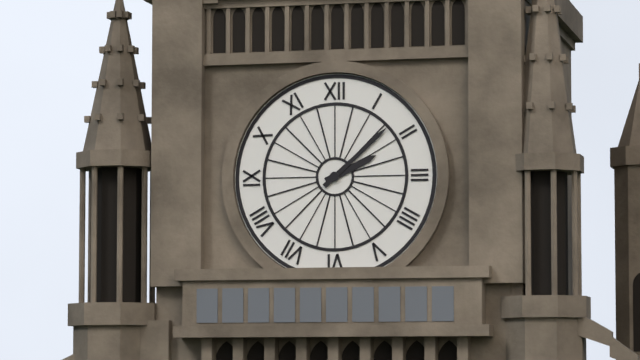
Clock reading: 2.08
